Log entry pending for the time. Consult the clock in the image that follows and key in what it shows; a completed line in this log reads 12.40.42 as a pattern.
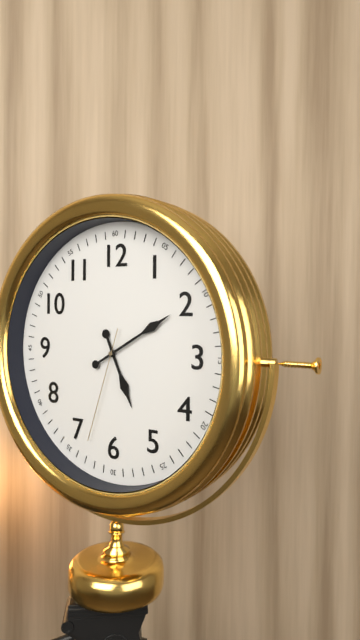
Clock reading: 5.10.33
